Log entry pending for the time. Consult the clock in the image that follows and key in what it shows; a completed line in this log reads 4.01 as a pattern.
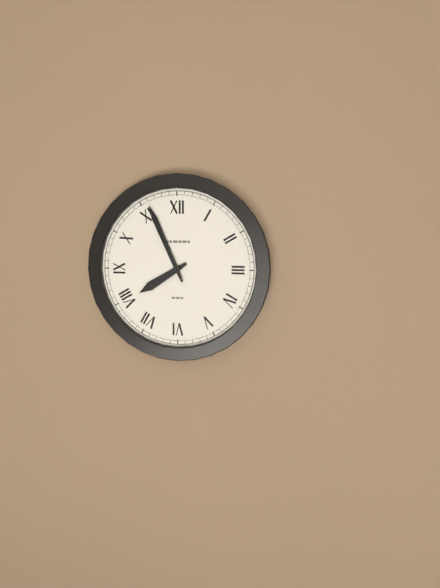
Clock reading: 7.56
